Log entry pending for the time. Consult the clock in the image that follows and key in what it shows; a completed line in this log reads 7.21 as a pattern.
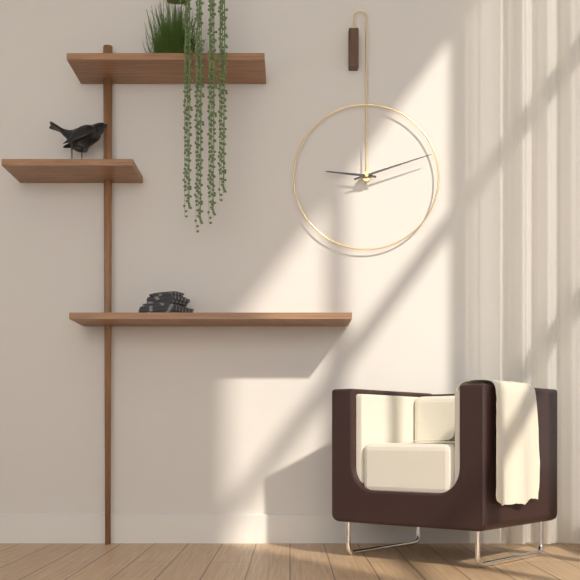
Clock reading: 9.12
